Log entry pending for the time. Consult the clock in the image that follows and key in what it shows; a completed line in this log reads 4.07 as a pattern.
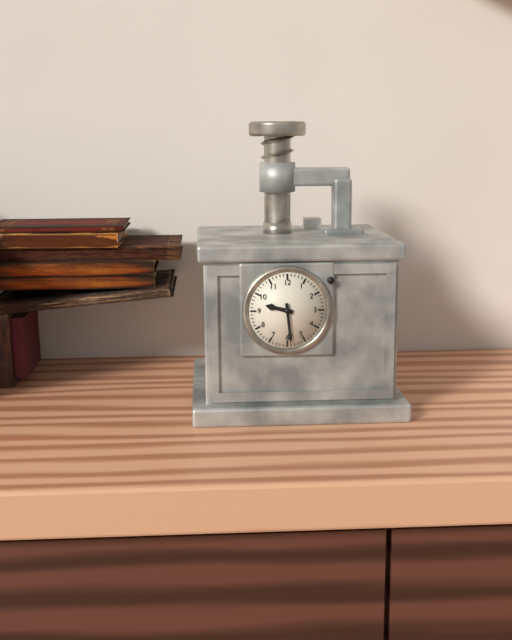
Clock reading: 9.29
